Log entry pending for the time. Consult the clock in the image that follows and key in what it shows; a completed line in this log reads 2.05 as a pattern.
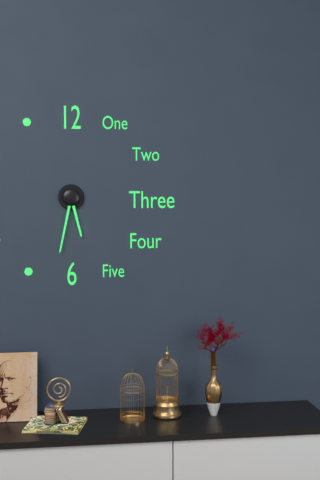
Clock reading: 5.32
